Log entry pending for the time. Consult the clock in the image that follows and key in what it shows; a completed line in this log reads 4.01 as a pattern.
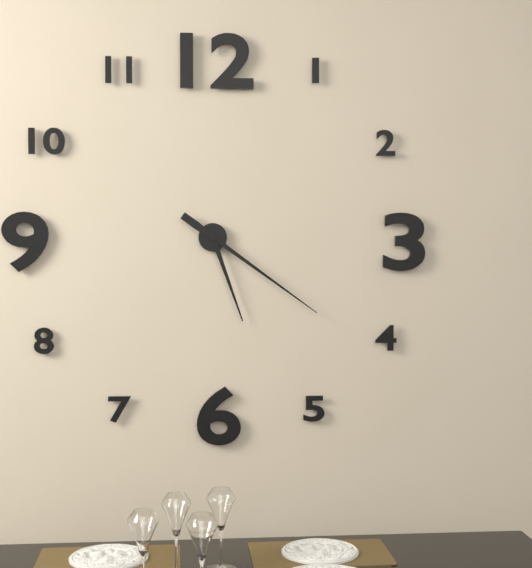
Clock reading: 5.21
